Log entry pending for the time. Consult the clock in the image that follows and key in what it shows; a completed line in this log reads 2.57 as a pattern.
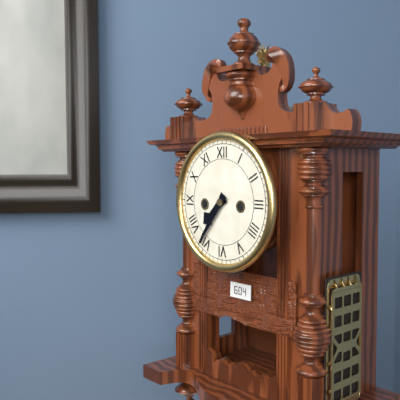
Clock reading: 7.36
